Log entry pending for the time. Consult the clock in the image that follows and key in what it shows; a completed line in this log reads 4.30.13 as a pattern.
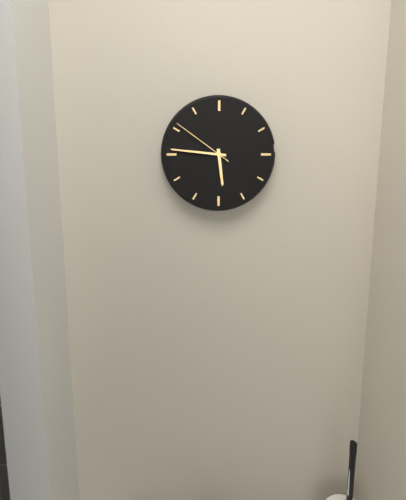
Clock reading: 5.46.51
